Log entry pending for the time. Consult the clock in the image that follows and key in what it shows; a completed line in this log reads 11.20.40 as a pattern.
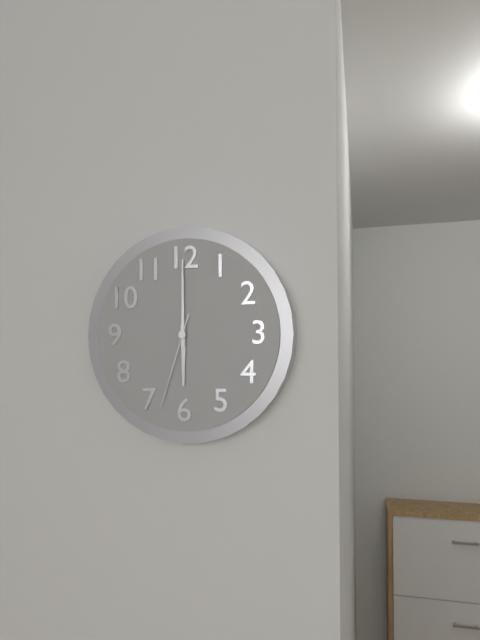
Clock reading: 6.00.33
